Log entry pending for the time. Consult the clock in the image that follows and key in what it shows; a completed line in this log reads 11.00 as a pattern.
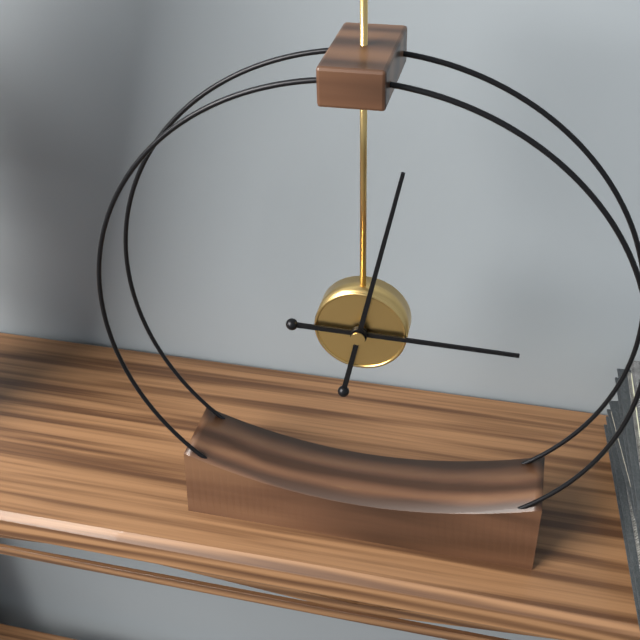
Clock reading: 3.02
